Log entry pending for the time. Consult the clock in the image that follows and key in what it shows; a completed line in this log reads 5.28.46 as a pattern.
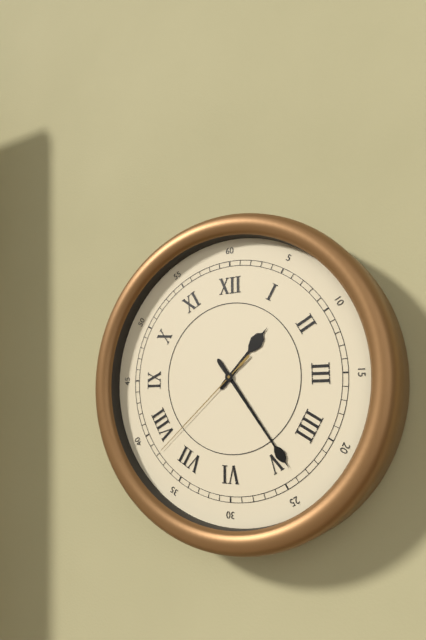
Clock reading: 1.24.38
